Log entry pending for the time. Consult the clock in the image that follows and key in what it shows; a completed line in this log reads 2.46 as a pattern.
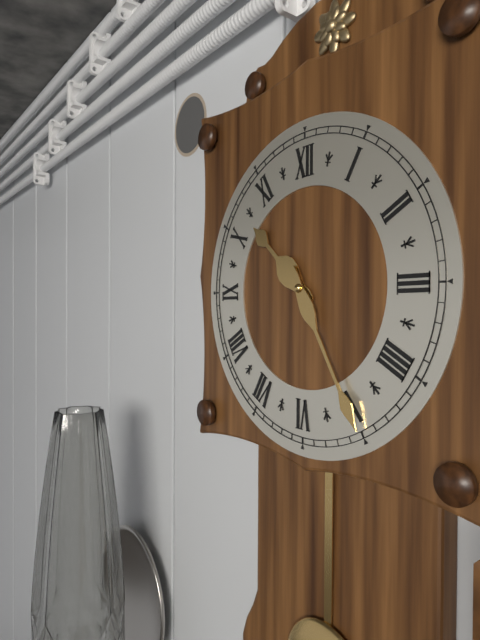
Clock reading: 10.25
